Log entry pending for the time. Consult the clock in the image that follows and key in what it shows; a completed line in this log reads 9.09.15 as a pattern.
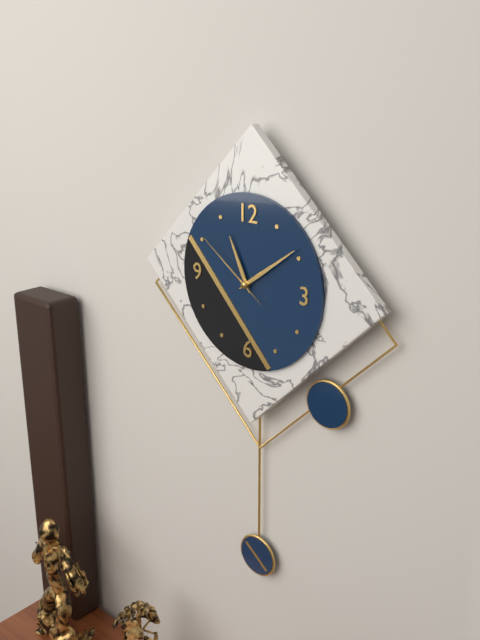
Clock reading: 11.09.51
